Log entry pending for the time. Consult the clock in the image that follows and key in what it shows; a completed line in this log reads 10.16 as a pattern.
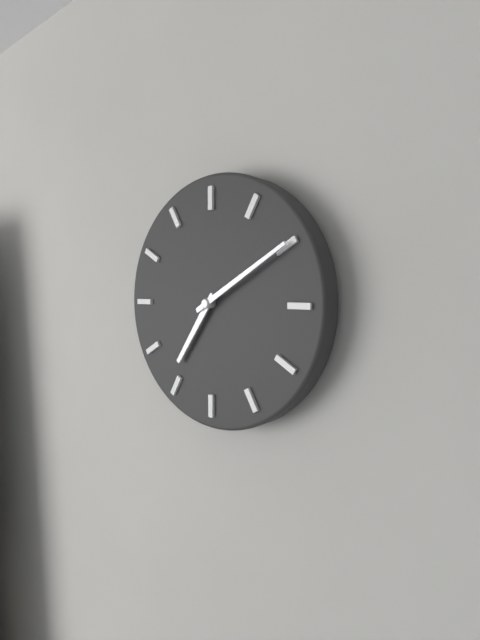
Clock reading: 7.10
